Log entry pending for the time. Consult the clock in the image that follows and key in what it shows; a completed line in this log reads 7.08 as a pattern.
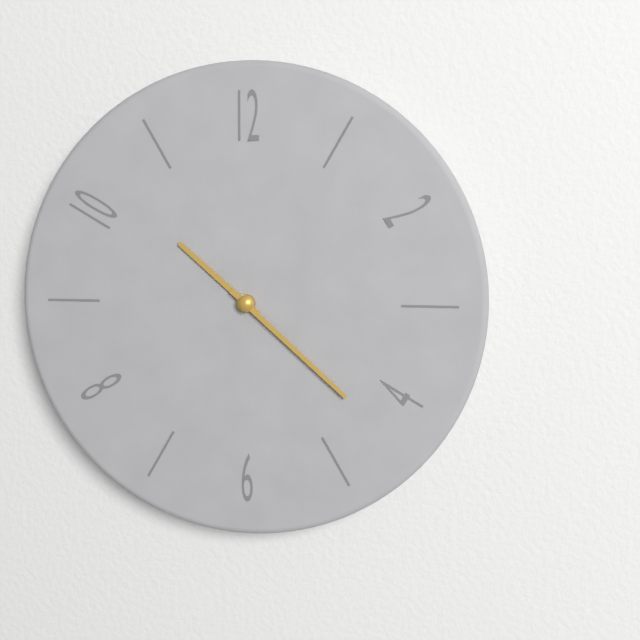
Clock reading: 10.22
